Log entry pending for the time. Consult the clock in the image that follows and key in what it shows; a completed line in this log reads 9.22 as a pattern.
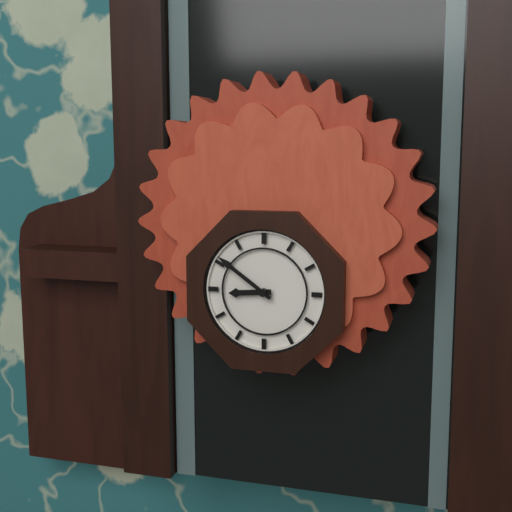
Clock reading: 8.51
